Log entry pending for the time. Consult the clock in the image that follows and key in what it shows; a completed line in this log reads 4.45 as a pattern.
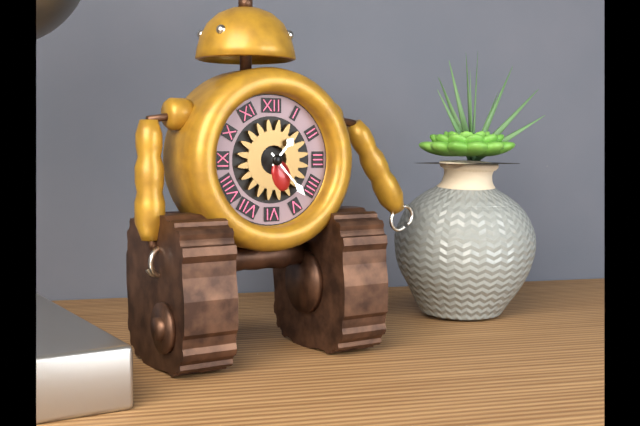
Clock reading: 1.23
